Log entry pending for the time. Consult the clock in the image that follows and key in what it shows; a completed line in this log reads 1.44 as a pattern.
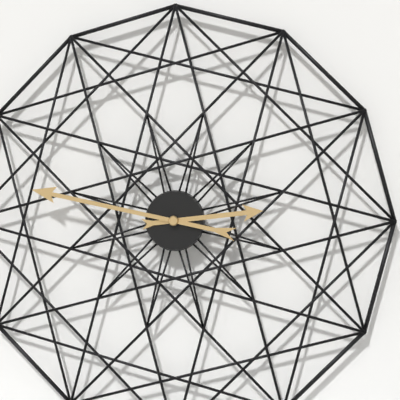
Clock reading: 2.47
